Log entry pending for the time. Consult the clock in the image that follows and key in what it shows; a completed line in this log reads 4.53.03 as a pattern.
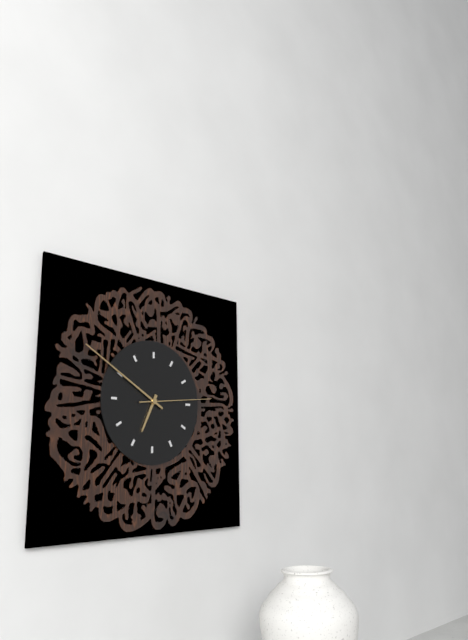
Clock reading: 6.50.14
